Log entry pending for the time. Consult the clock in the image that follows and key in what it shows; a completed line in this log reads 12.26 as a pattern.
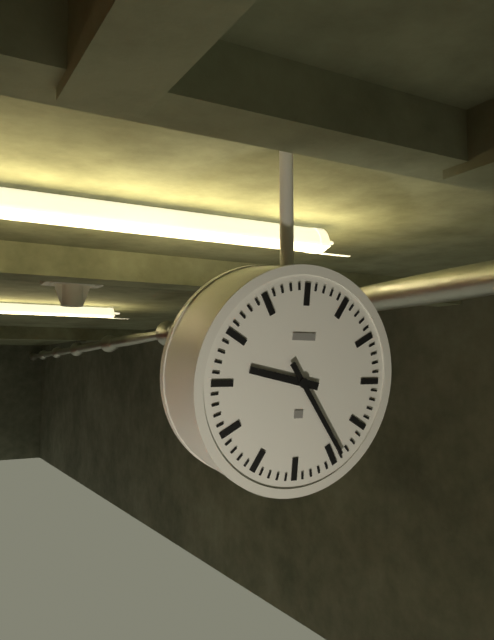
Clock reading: 9.24
